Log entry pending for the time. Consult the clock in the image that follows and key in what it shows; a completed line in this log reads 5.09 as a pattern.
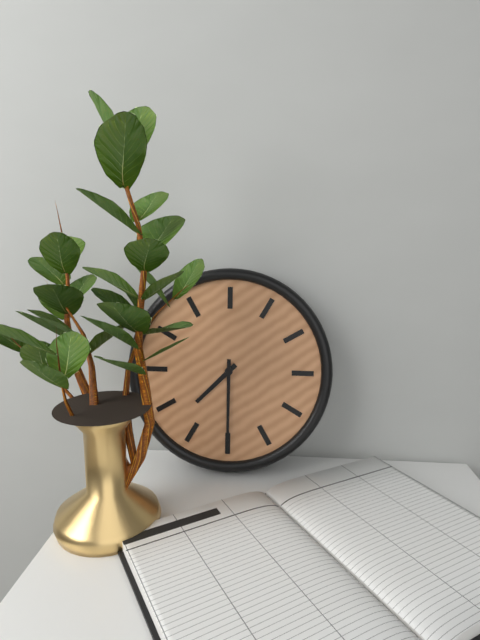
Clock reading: 7.30
